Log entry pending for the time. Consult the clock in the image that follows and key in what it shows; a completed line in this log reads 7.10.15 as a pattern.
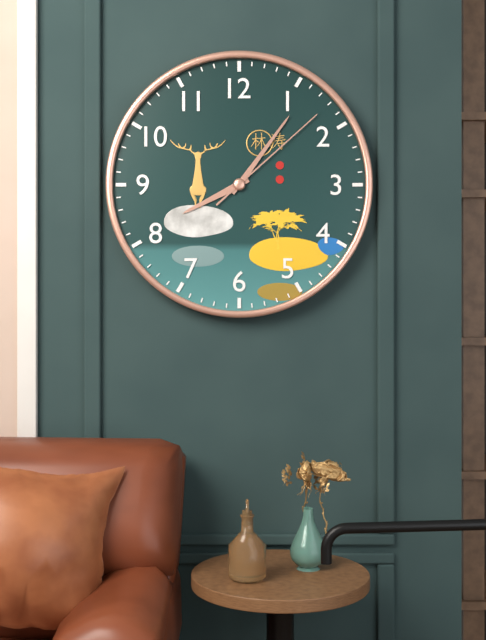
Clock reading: 8.06.08
